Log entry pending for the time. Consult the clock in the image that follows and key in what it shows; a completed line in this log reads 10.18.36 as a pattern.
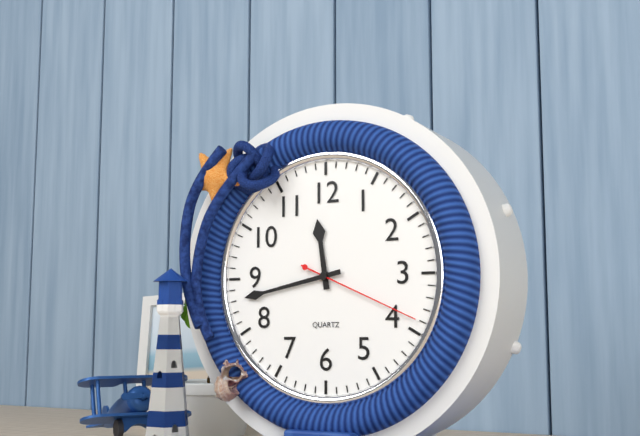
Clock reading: 11.43.19
